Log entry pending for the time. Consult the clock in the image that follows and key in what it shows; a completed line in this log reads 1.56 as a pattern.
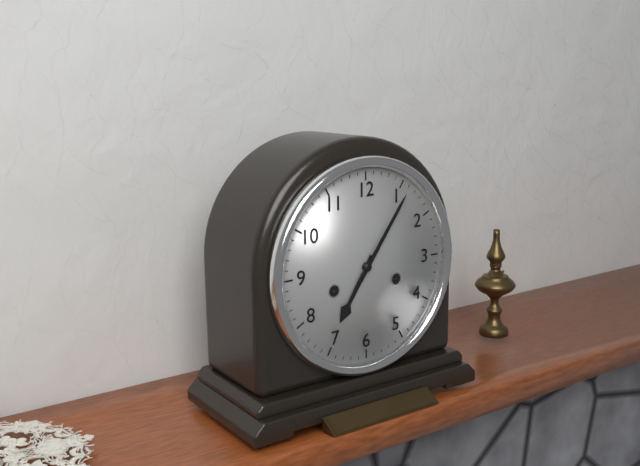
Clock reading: 7.06
